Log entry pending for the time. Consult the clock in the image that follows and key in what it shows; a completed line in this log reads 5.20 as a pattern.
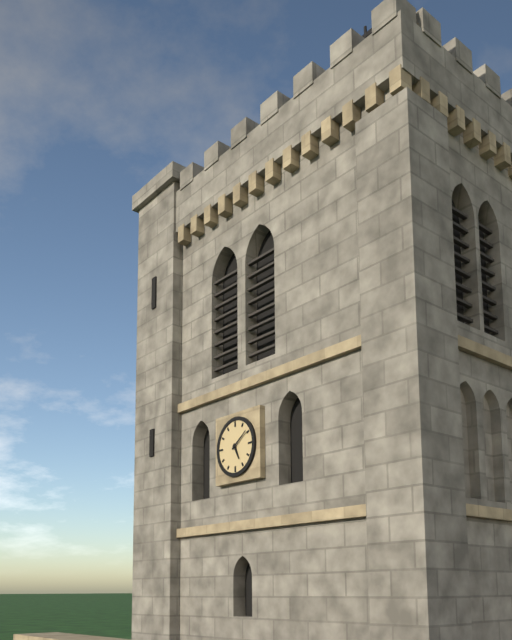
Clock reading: 5.09
